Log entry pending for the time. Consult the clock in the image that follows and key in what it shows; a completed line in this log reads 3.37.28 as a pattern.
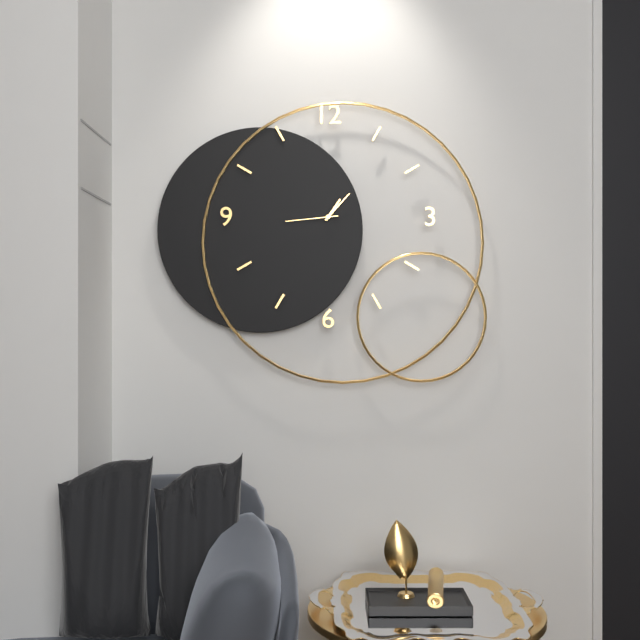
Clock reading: 1.07.44
